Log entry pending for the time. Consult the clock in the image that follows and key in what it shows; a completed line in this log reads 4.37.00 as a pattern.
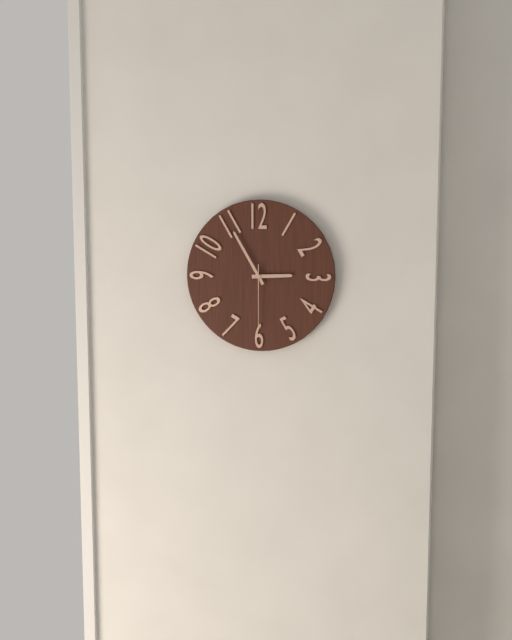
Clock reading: 2.55.30
